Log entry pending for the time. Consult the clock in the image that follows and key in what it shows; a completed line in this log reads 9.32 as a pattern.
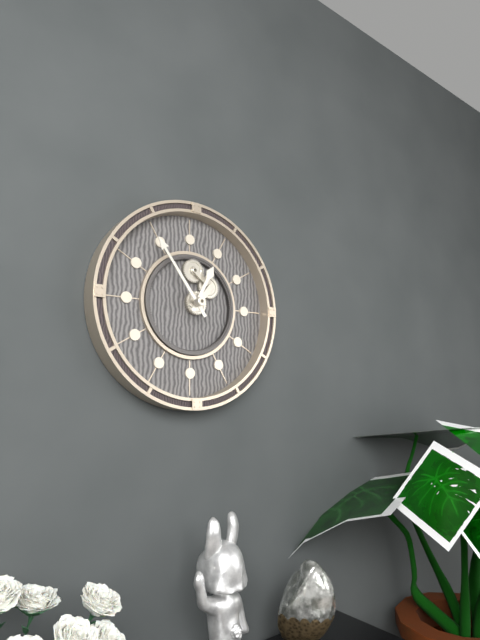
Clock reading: 12.54
